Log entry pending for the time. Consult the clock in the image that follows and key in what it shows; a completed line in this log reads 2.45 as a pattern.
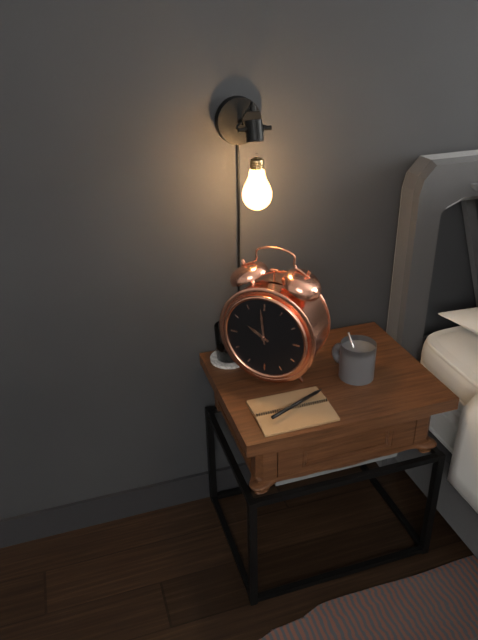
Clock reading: 9.59
